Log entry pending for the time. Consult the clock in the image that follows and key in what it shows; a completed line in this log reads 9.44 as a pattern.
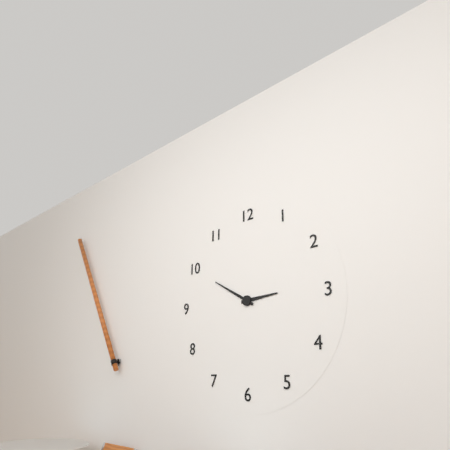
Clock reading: 2.50
